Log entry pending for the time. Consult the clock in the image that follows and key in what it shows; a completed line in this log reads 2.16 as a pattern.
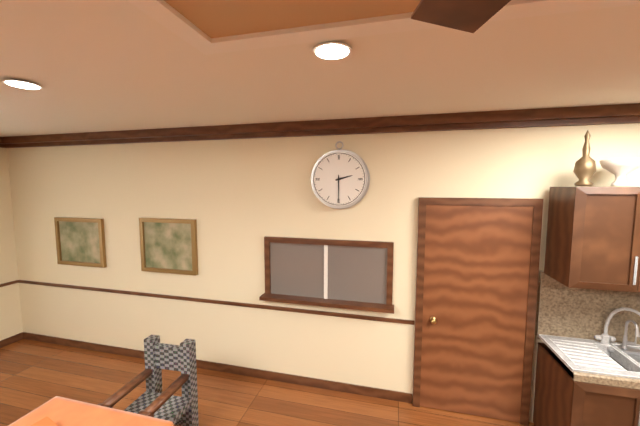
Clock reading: 2.30
